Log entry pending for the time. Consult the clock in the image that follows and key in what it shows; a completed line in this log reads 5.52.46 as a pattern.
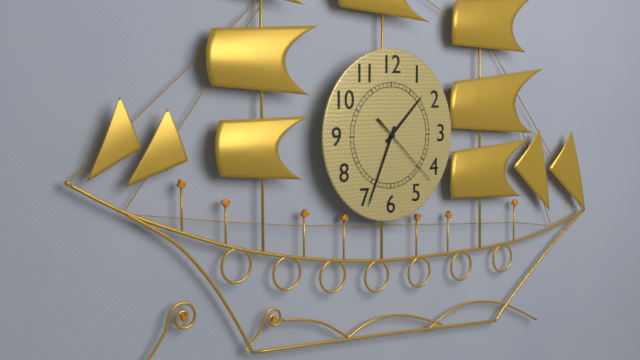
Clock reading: 1.34.22
